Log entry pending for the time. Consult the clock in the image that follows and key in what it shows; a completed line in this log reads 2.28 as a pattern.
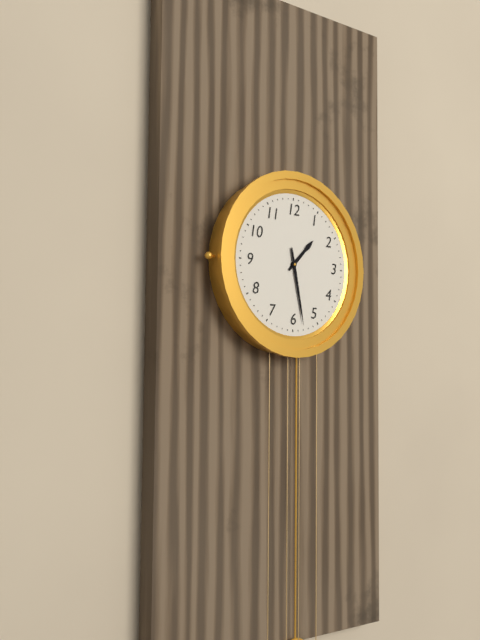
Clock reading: 1.28
